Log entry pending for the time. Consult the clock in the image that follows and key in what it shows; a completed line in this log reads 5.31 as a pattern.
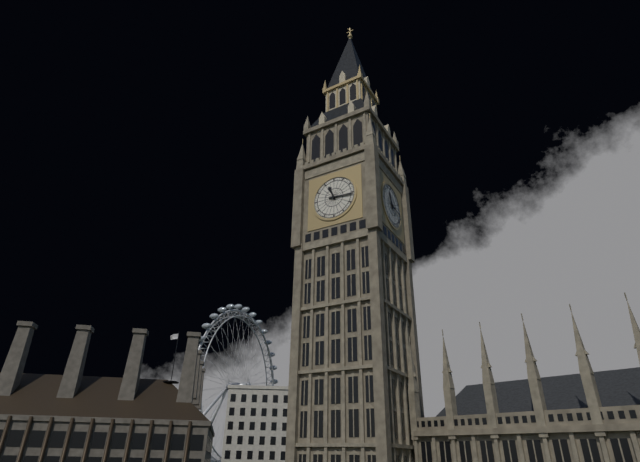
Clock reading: 11.16
